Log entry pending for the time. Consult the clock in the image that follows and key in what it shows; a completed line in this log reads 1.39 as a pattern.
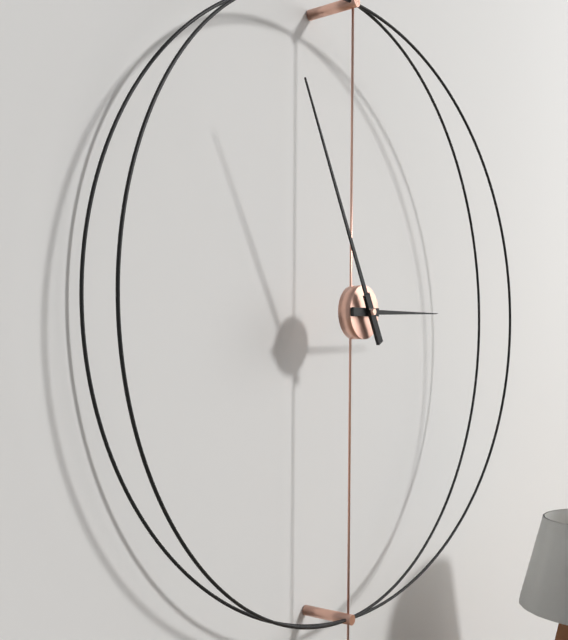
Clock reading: 2.55
